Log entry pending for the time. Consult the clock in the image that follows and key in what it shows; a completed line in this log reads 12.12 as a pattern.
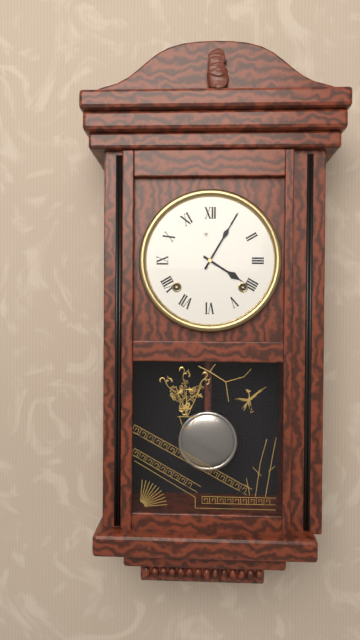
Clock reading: 4.05
